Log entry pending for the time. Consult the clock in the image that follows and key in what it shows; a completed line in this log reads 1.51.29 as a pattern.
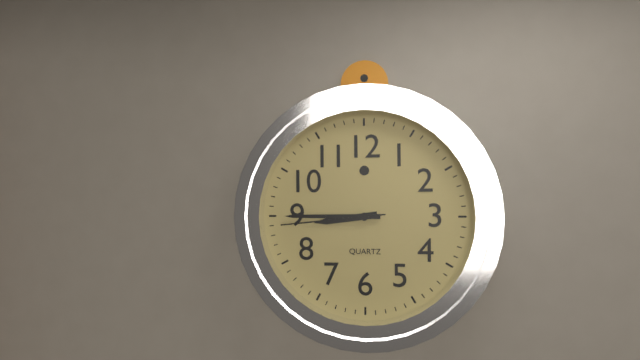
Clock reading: 8.45.44
